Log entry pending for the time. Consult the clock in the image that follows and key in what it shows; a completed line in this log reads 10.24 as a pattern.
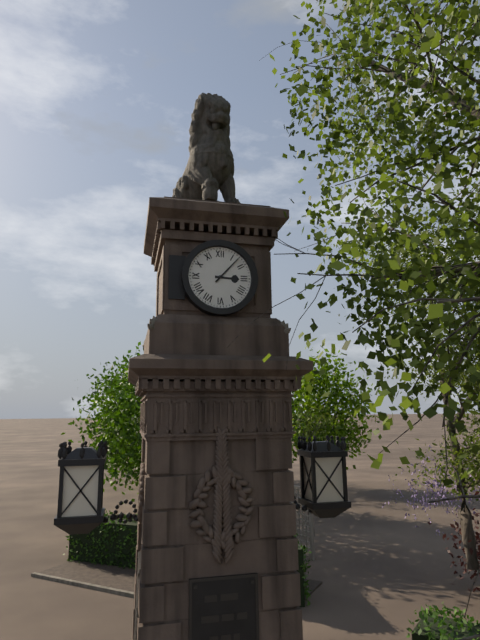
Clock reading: 3.07
